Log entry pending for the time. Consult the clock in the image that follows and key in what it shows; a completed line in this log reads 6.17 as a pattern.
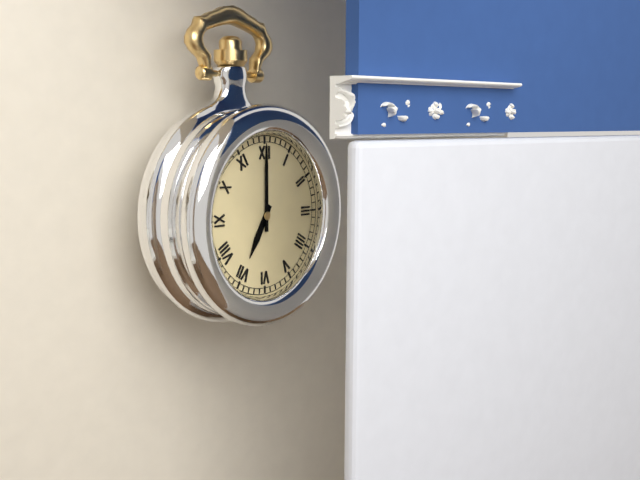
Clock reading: 7.00
